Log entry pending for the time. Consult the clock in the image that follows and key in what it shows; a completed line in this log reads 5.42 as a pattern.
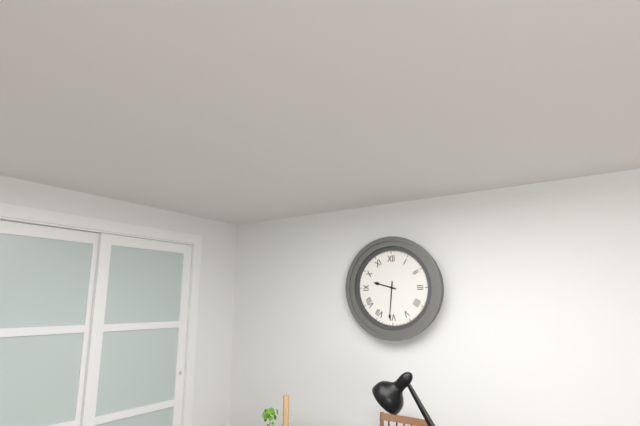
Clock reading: 9.31
